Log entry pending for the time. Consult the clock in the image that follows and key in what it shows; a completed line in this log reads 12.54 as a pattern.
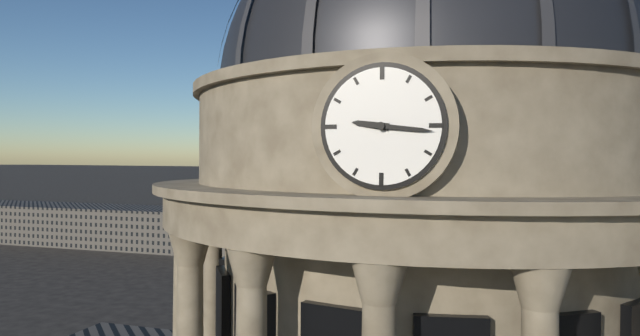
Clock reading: 9.16
